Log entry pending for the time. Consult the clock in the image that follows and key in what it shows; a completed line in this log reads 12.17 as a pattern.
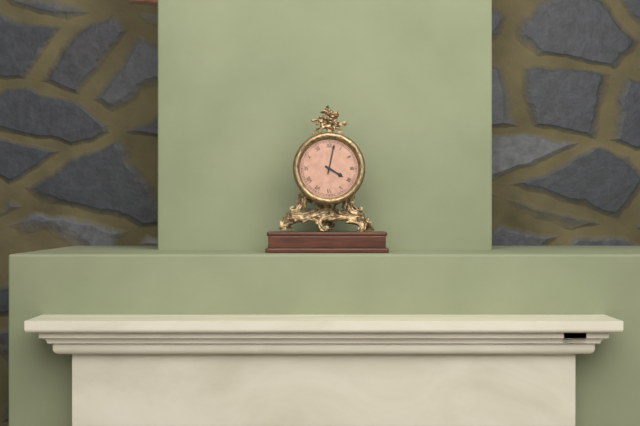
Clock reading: 4.02
